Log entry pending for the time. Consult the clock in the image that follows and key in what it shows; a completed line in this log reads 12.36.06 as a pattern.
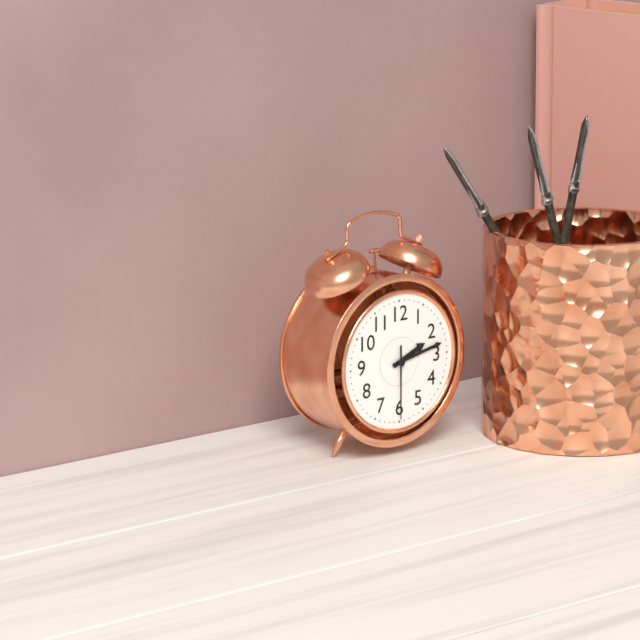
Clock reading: 2.13.30
